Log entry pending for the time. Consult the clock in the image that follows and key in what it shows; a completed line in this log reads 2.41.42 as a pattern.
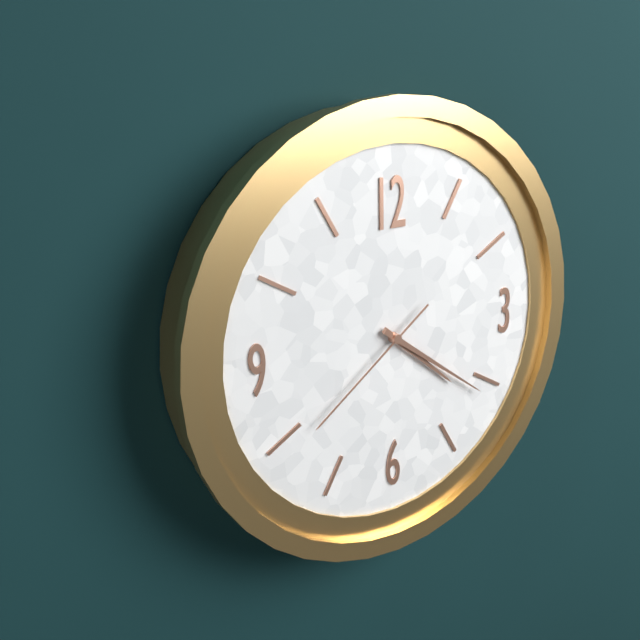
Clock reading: 4.21.39
